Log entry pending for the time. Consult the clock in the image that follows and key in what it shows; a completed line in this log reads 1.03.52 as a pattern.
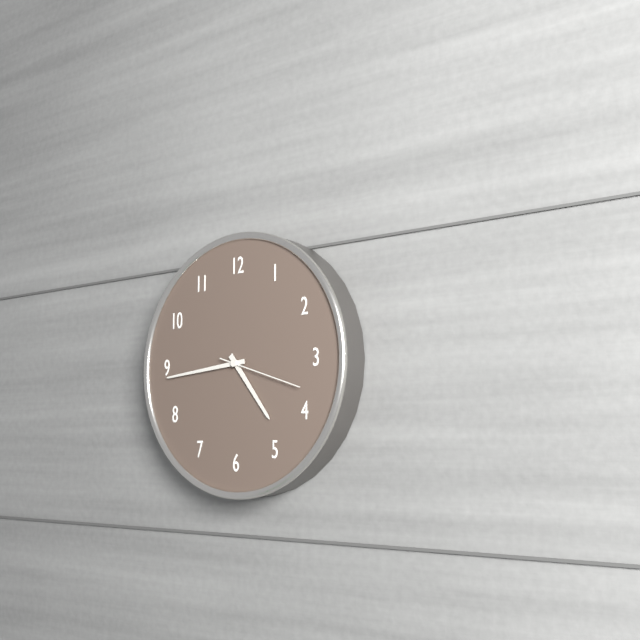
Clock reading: 4.44.18
